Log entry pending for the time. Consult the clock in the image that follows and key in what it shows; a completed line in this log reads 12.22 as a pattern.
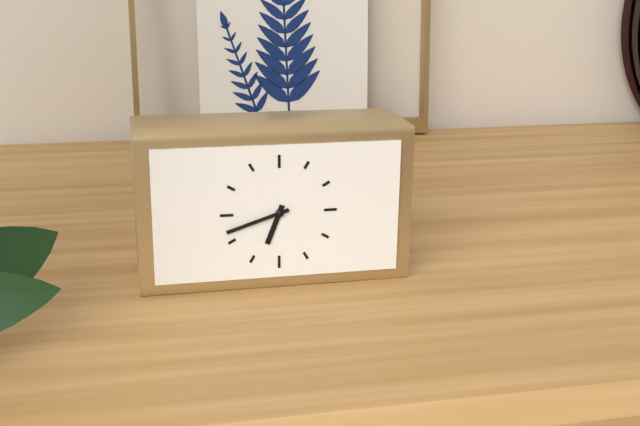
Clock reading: 6.42
